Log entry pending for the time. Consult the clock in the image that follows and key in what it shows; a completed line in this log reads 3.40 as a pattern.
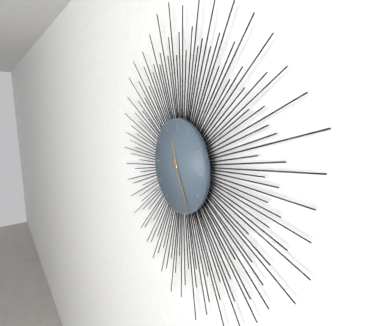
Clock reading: 11.25
